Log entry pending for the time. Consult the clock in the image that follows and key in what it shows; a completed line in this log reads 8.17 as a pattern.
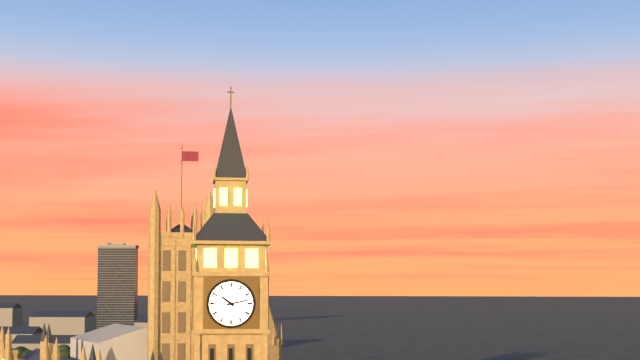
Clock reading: 10.13
